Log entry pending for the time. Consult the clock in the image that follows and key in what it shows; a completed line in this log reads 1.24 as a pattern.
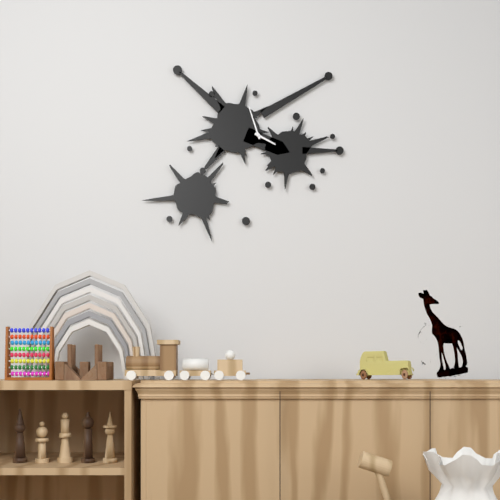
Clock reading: 3.57
